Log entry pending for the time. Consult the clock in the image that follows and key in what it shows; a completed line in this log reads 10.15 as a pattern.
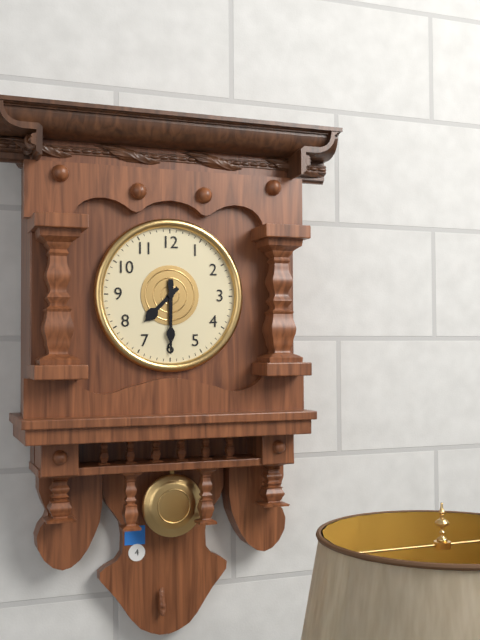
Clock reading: 7.30
